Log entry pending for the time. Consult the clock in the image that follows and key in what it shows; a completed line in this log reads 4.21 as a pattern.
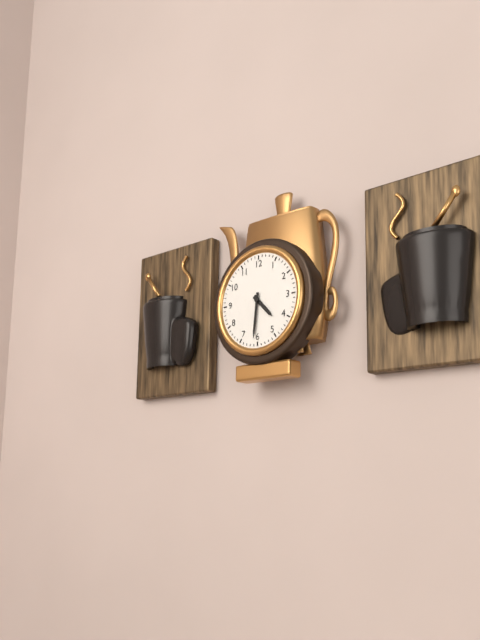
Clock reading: 4.31
